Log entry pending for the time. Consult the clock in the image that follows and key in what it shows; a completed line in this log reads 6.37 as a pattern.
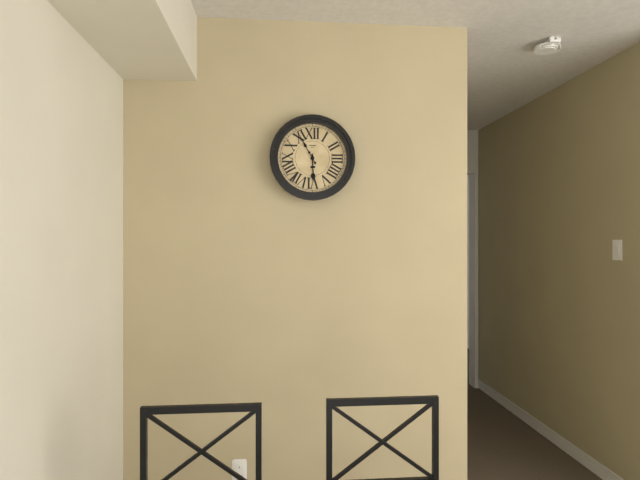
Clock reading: 5.55
